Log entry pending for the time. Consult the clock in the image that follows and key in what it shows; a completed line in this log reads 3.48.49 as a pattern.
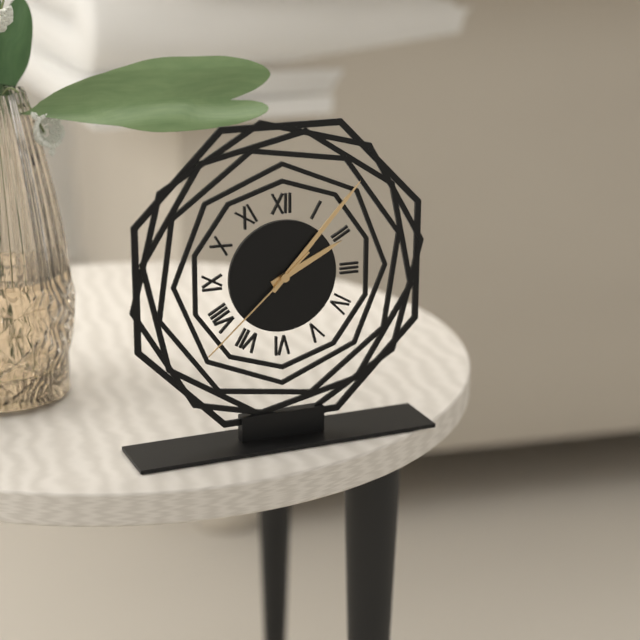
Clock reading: 2.07.38
